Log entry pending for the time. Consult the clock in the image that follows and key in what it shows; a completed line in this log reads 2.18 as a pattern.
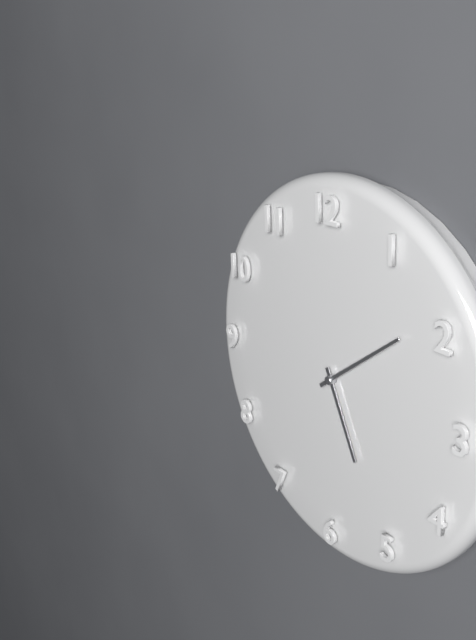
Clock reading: 5.09
